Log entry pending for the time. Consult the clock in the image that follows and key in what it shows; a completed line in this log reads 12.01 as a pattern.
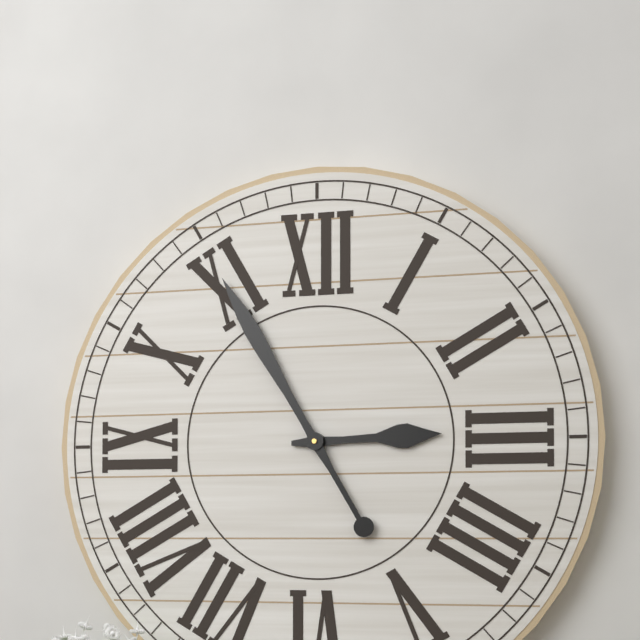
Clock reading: 2.55
